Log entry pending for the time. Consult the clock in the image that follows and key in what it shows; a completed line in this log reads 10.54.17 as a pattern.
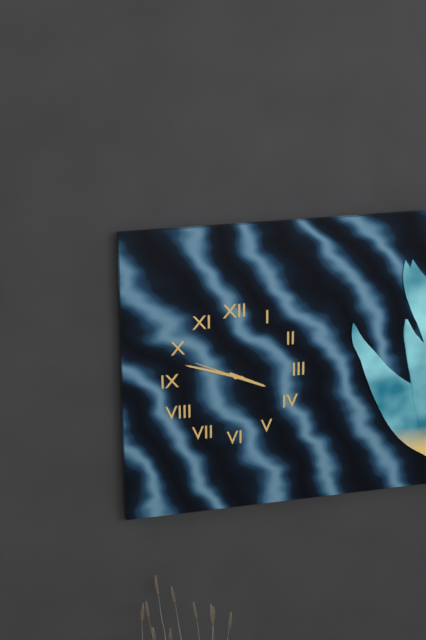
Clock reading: 3.48.49
